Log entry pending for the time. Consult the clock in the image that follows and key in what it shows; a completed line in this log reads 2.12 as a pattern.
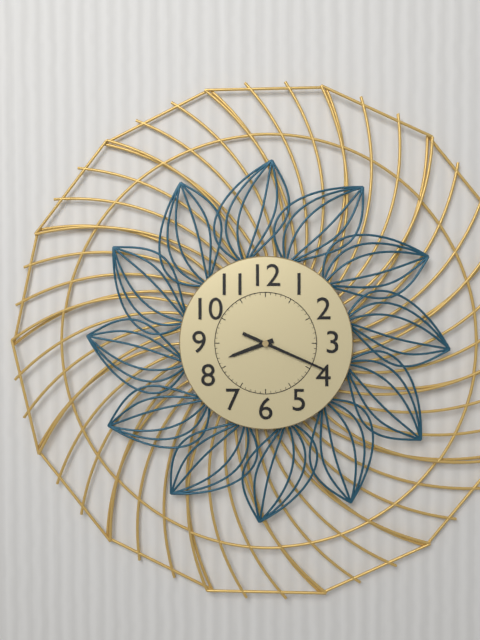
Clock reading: 8.19
